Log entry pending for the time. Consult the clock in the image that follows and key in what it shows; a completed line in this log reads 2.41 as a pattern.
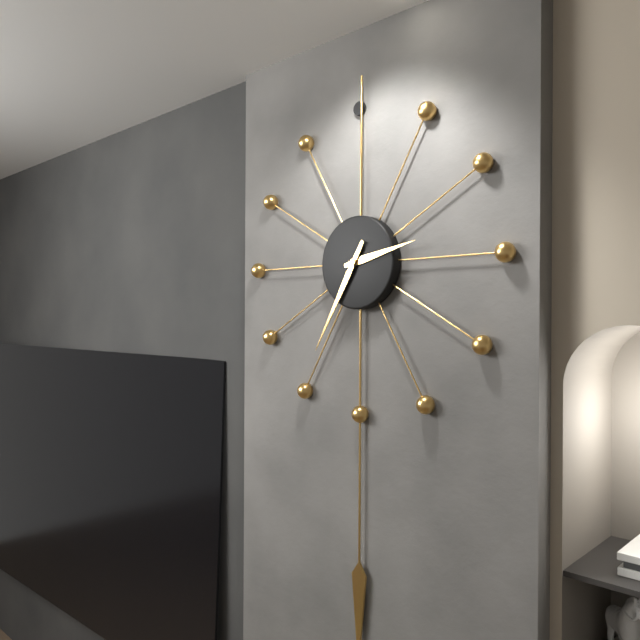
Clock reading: 2.35
